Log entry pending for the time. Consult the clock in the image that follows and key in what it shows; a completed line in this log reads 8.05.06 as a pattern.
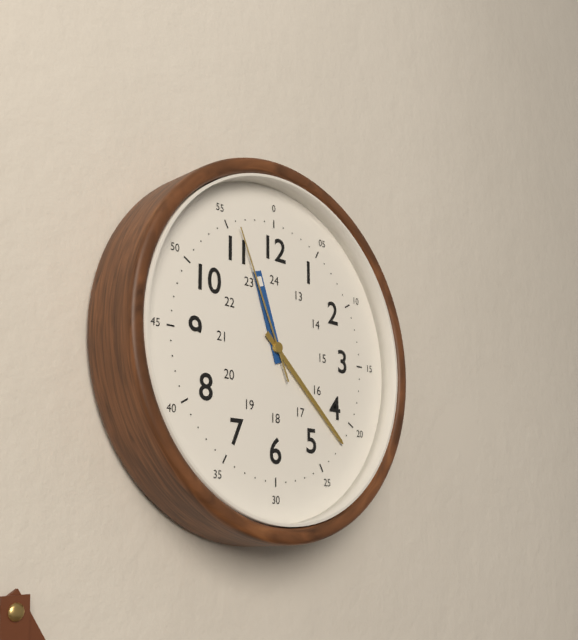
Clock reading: 11.22.56
